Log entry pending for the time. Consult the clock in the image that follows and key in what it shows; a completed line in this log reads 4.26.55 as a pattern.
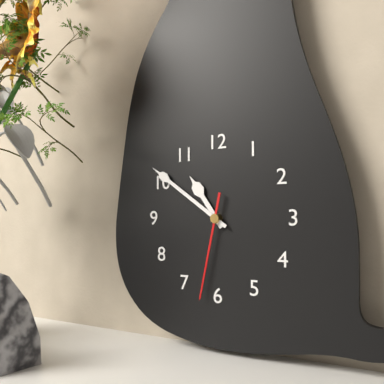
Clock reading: 10.51.32
